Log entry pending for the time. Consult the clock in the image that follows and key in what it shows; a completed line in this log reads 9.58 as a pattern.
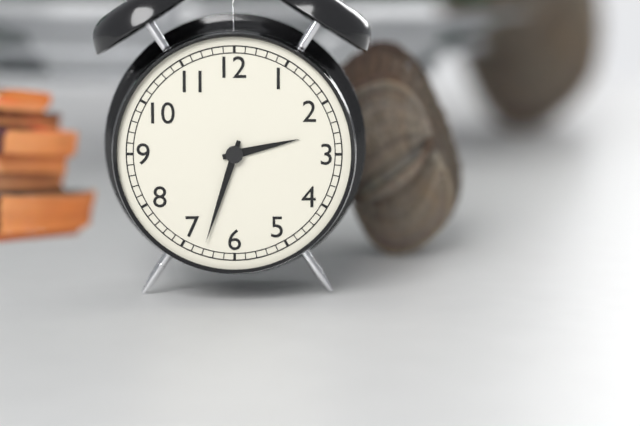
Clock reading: 2.33
